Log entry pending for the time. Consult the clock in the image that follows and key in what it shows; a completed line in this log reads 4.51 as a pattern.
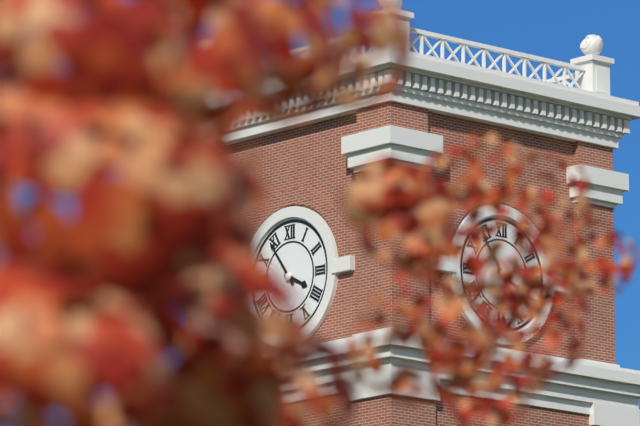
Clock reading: 3.54
